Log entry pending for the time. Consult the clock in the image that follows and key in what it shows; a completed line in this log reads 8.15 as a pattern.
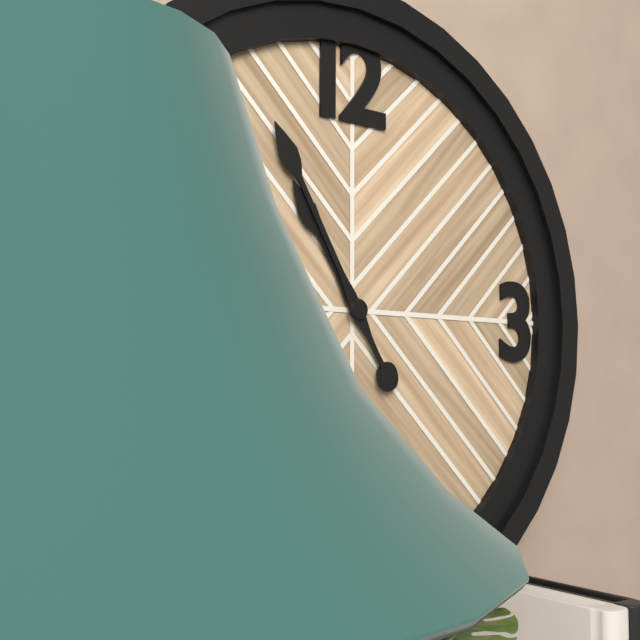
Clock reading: 10.55
